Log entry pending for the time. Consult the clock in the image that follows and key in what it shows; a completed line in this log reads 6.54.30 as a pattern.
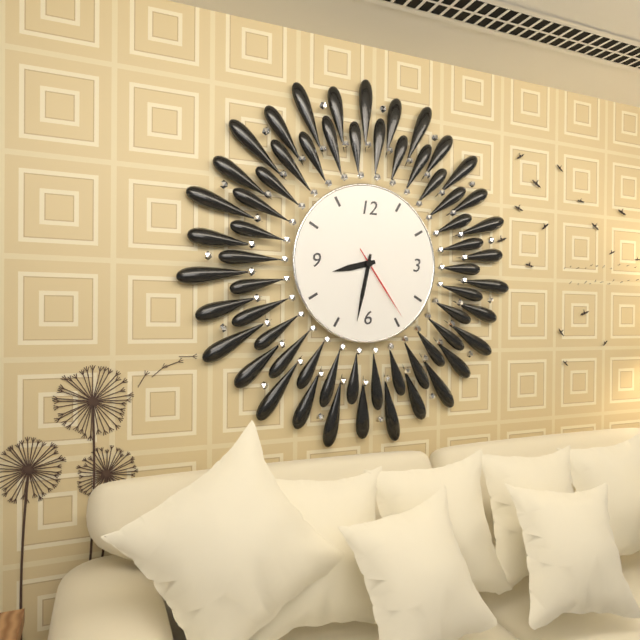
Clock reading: 8.32.24
